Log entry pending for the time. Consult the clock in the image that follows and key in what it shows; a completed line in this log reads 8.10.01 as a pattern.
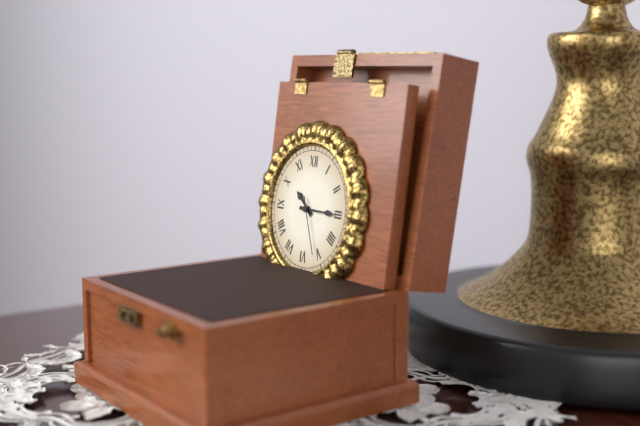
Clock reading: 10.15.26
